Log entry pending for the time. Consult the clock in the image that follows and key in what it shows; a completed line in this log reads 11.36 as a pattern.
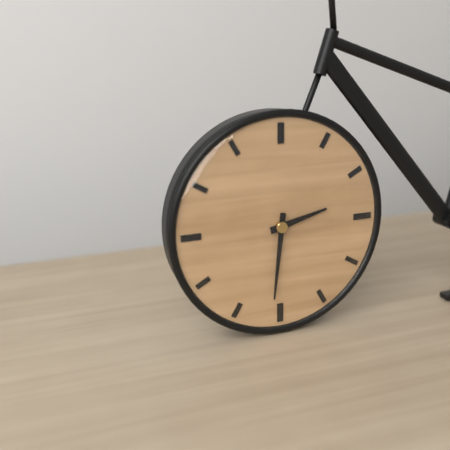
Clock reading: 2.31
